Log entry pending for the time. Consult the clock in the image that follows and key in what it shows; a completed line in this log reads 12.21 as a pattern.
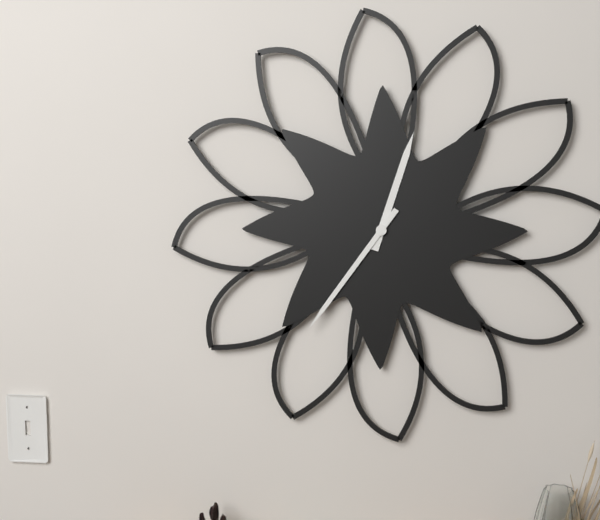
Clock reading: 12.36
